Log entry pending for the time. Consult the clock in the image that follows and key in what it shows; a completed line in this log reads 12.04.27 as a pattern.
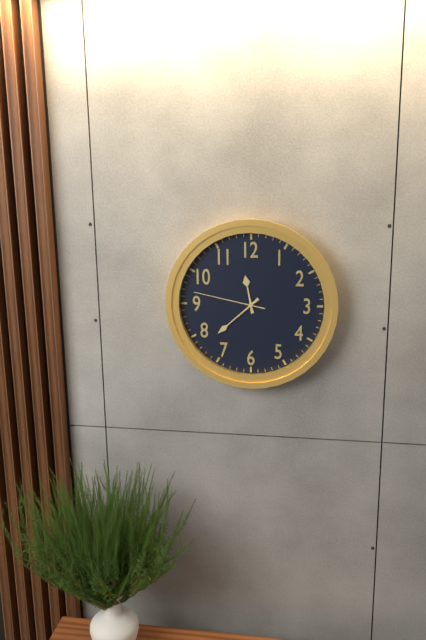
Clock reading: 11.38.47
